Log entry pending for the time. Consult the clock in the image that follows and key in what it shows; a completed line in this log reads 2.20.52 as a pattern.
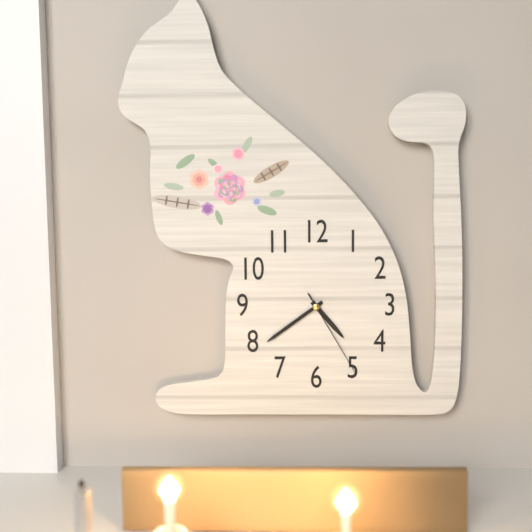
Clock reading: 4.39.25
